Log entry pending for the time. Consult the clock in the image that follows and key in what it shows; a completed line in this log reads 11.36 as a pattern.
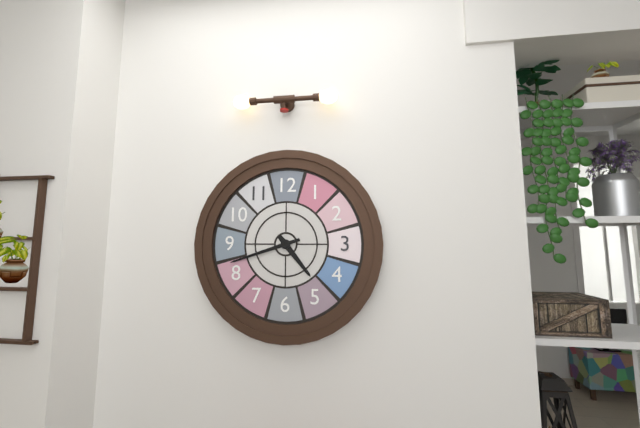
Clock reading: 4.42
